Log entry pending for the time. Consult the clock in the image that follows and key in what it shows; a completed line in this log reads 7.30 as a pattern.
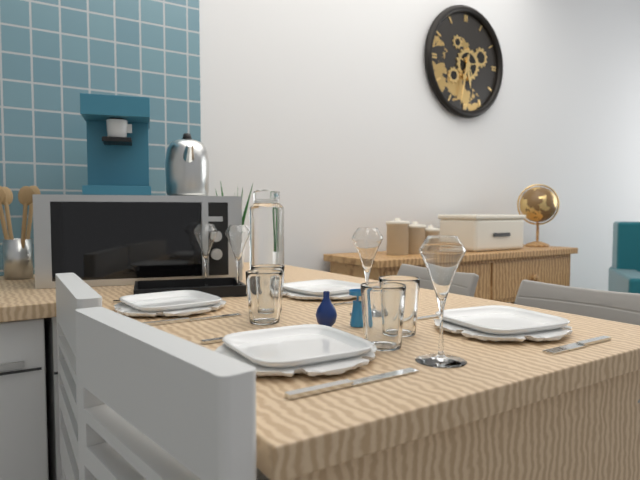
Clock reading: 5.32
